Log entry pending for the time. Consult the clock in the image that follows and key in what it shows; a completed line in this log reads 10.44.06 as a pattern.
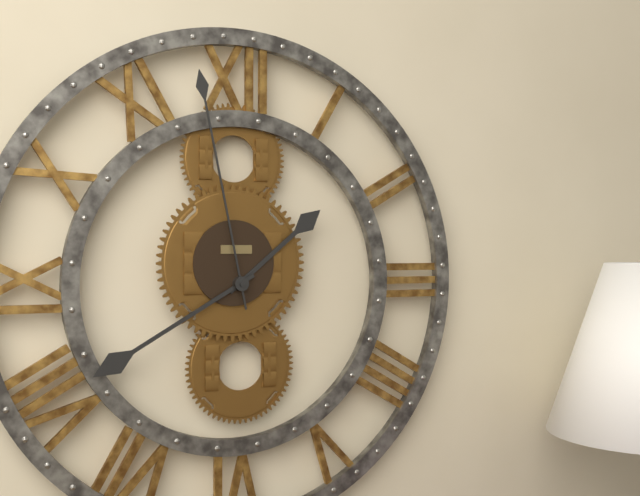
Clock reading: 1.40.58
